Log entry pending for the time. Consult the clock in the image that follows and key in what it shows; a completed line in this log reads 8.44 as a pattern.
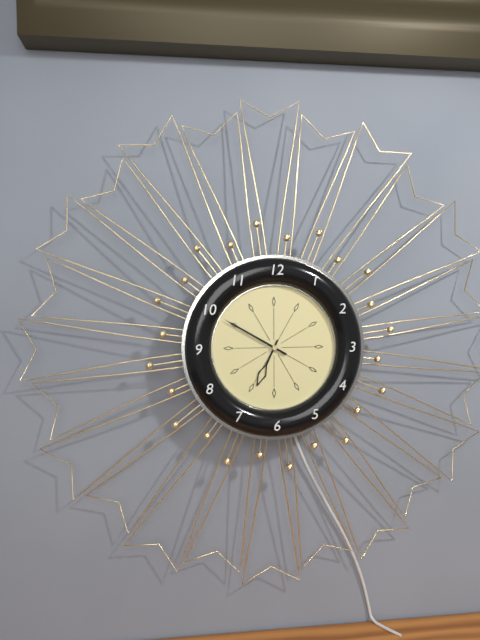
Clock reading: 6.50
